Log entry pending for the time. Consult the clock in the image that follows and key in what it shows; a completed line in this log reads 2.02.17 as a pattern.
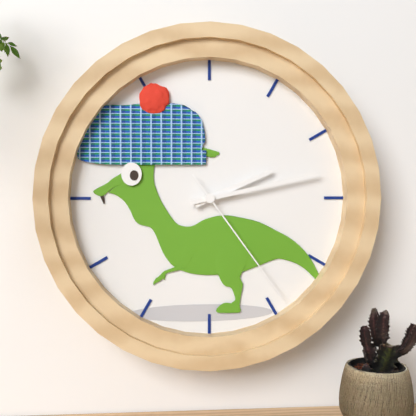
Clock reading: 2.13.24
